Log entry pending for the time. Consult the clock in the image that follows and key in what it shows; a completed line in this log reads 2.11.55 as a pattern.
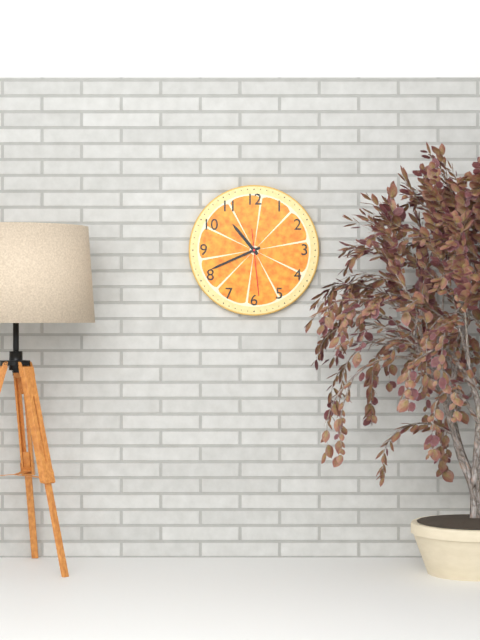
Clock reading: 10.41.29
